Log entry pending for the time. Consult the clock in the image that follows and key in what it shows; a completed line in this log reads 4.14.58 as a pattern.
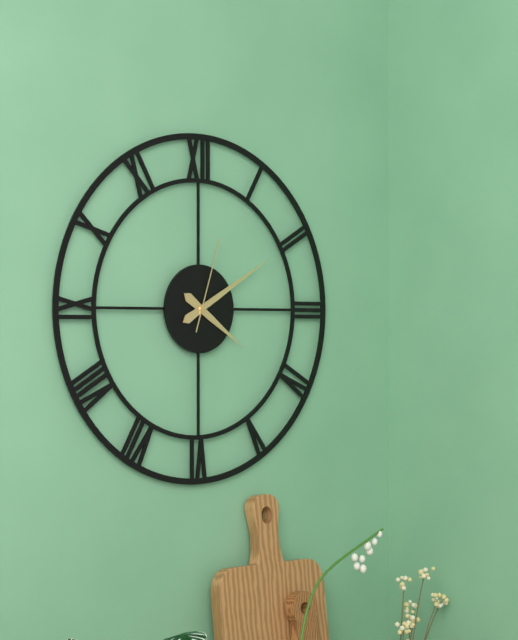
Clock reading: 4.10.03
